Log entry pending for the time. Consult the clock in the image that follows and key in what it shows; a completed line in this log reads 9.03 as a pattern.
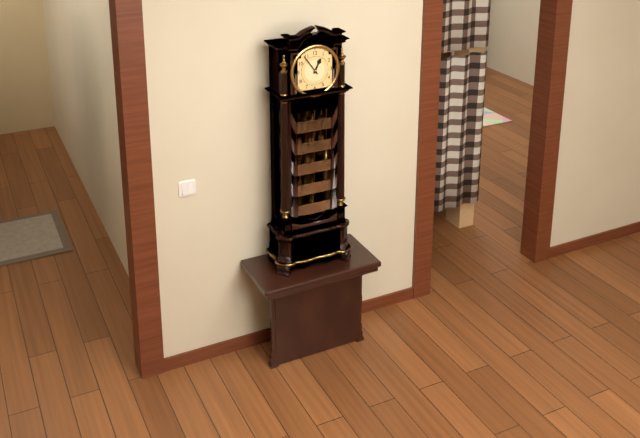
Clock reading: 12.54
